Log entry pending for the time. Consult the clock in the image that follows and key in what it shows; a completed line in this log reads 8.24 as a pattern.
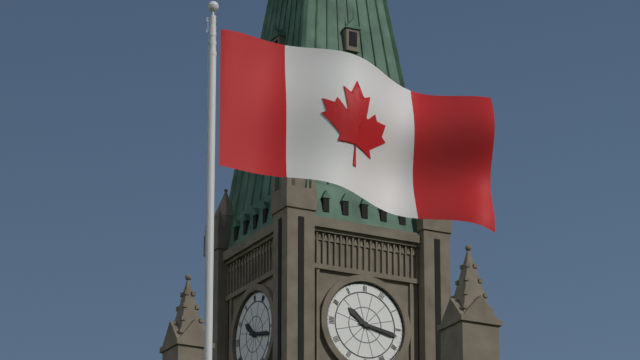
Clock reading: 10.17
